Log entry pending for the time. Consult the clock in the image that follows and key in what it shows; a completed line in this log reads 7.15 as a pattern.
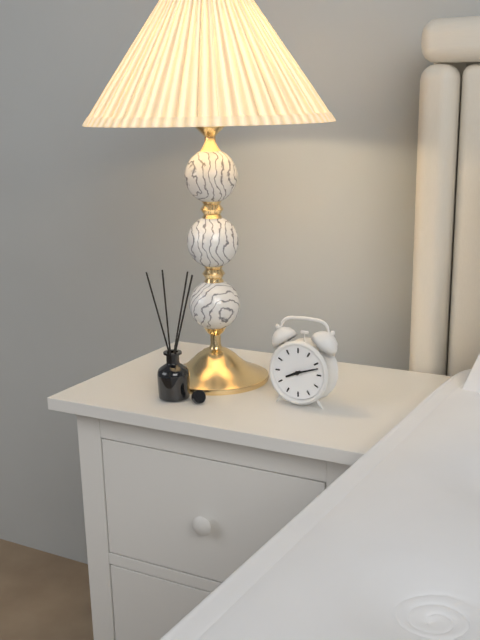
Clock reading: 8.12
